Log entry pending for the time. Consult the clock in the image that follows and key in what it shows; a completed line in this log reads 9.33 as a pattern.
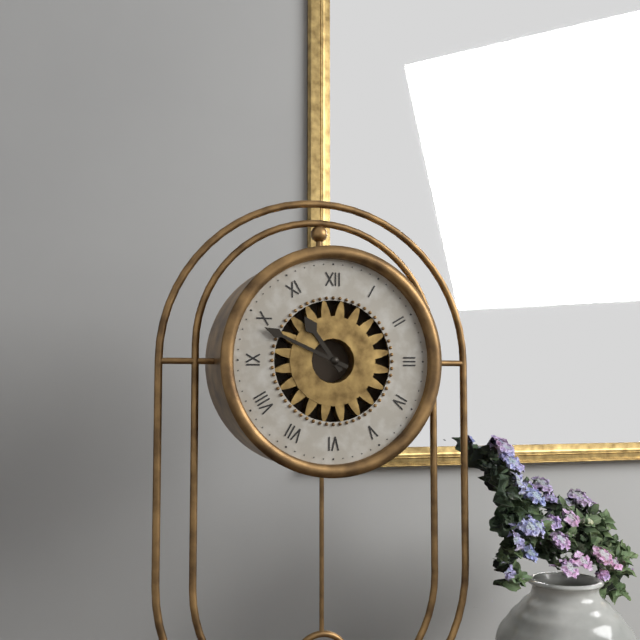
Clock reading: 10.49
